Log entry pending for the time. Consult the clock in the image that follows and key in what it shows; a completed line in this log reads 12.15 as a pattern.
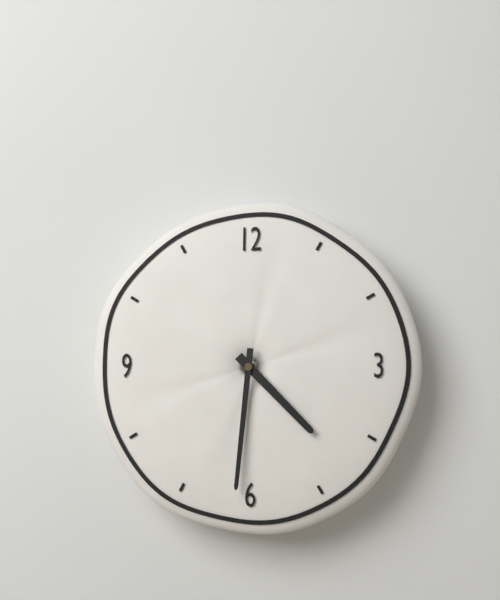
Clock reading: 4.31
